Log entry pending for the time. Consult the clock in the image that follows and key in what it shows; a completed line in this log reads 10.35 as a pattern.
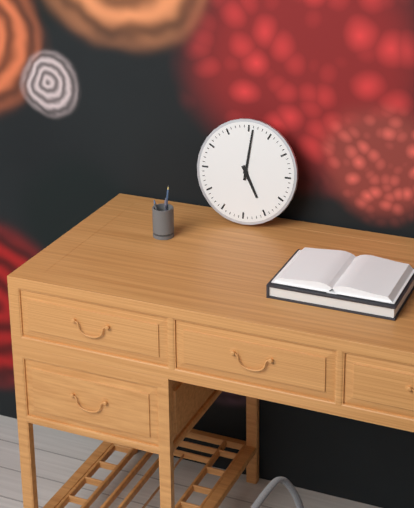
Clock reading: 5.01
